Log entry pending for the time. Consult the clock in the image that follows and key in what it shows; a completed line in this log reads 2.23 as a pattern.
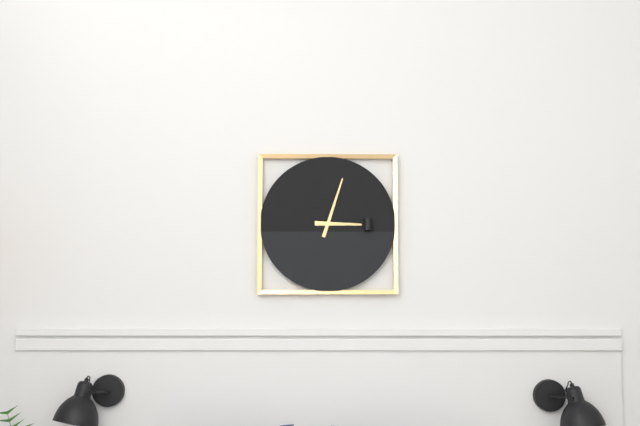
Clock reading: 3.03
